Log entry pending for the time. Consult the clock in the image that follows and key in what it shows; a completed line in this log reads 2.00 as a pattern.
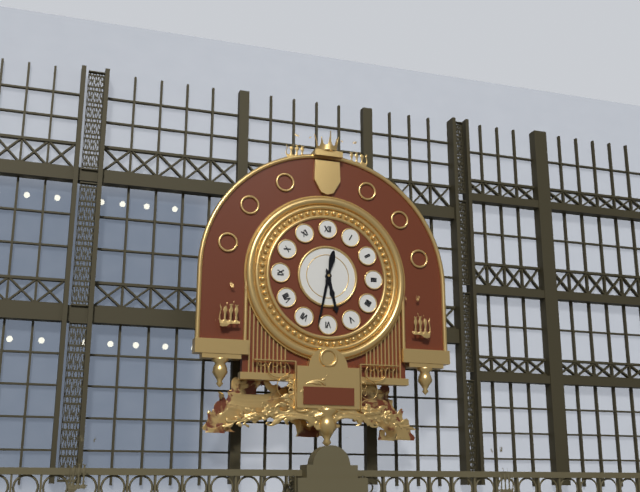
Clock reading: 5.32
